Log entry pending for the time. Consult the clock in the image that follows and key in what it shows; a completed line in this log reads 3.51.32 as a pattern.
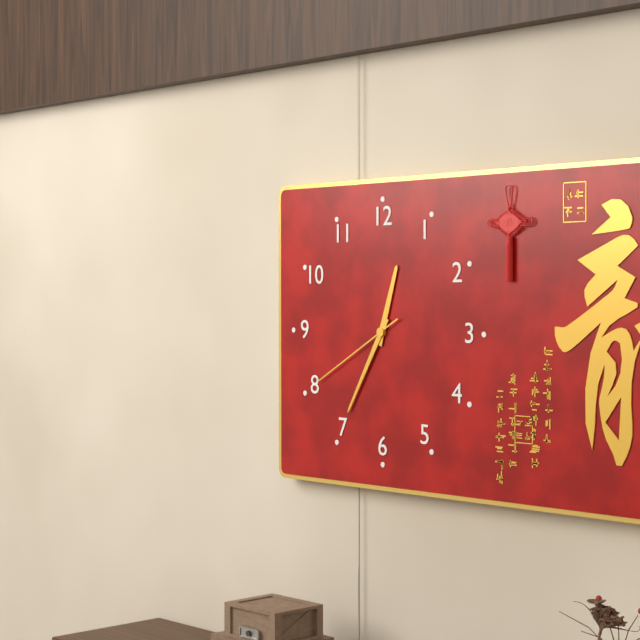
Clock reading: 12.35.40
